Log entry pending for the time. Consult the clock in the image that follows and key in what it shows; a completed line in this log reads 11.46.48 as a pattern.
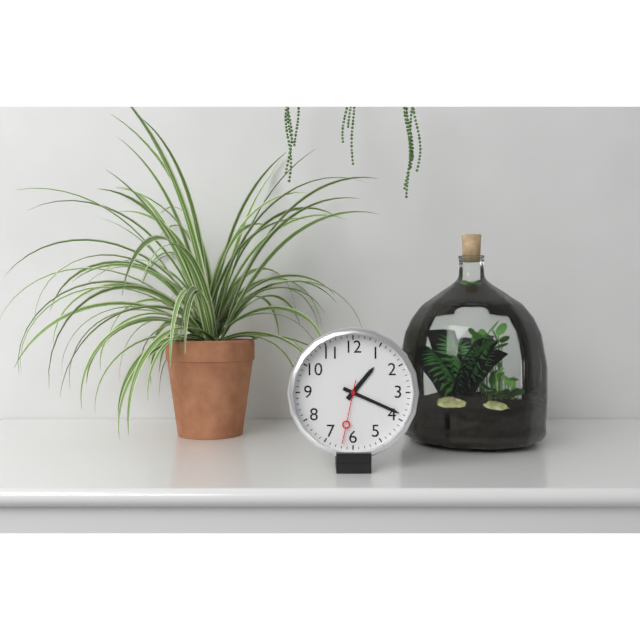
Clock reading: 1.19.32
